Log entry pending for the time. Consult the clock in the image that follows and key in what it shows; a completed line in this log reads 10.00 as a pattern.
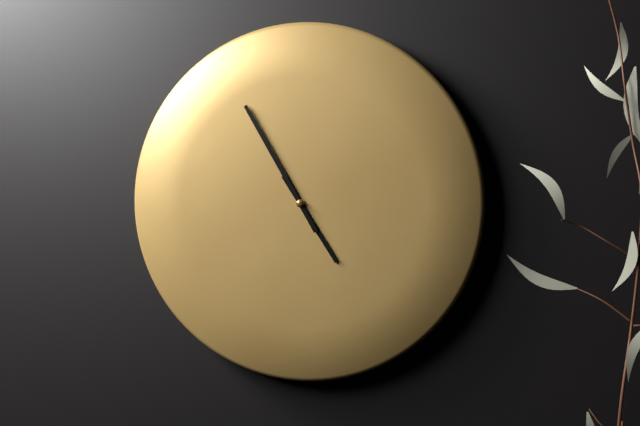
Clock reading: 4.55
